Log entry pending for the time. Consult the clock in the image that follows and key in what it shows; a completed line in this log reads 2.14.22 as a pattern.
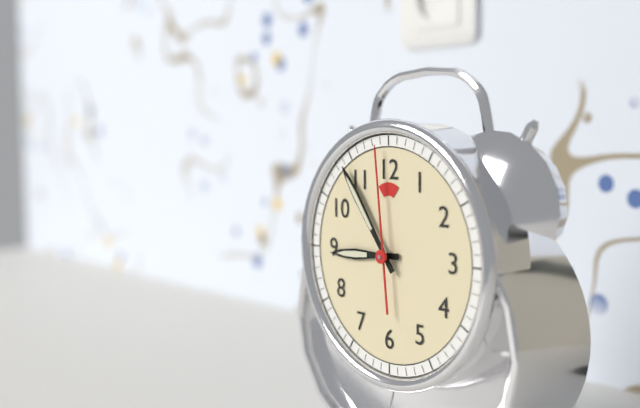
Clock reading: 8.54.59
